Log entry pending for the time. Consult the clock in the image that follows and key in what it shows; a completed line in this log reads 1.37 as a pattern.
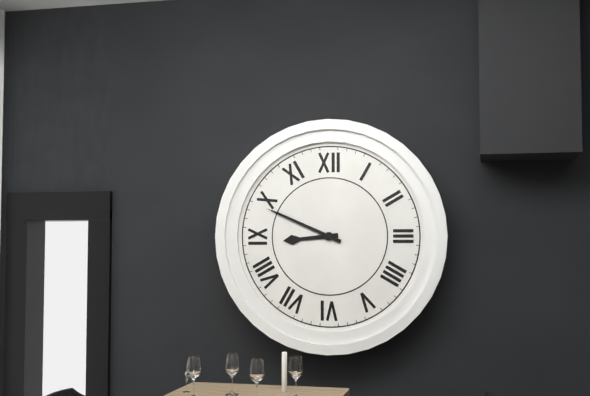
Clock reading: 8.49
